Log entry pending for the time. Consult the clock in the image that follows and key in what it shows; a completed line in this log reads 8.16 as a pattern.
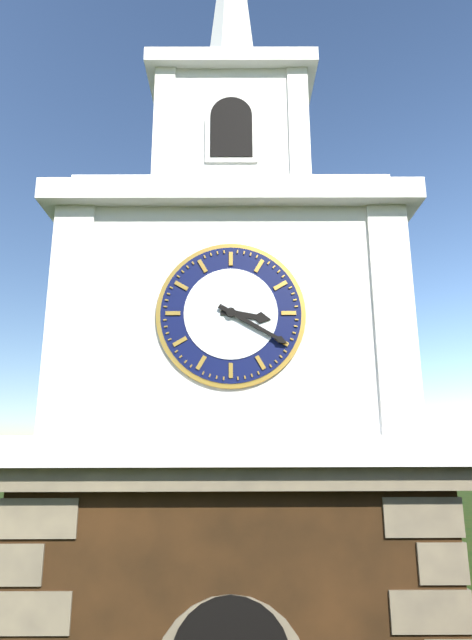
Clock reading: 3.20
